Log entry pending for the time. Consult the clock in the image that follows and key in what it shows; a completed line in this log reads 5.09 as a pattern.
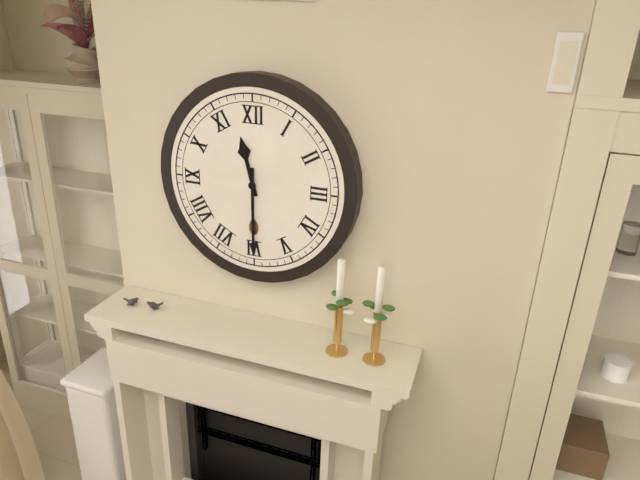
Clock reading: 11.30
